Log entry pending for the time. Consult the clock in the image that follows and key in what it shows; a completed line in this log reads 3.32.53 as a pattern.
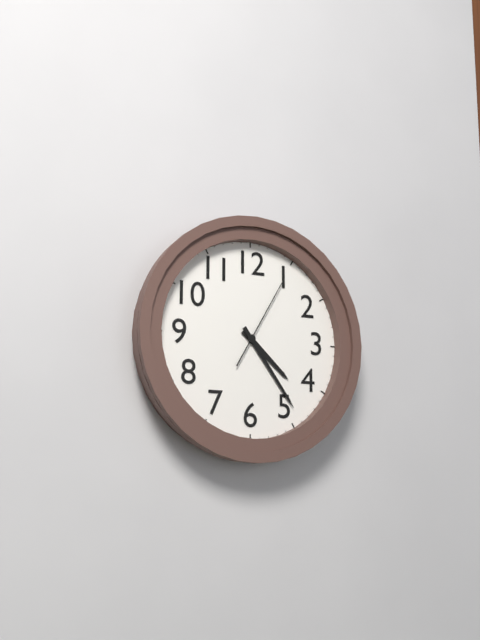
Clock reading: 4.24.05
